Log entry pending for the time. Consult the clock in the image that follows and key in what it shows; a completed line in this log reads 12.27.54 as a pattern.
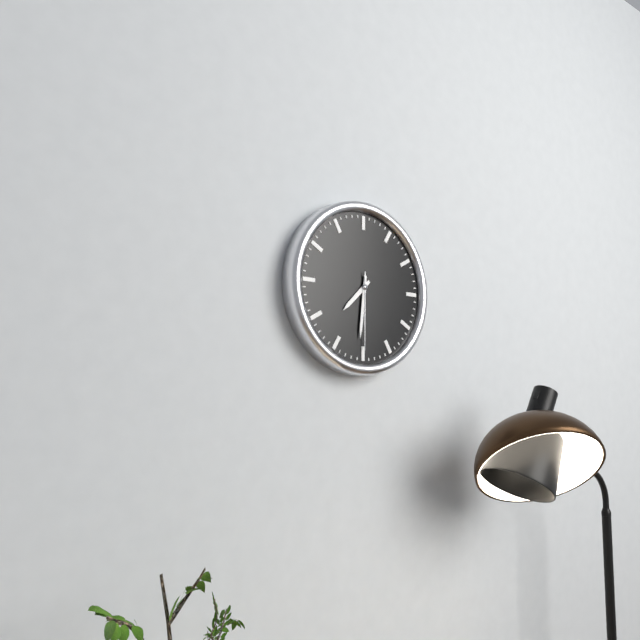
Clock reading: 7.31.30
